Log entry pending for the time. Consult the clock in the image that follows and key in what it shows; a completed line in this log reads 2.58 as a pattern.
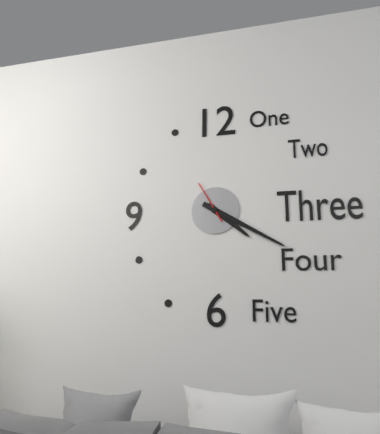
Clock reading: 4.20
